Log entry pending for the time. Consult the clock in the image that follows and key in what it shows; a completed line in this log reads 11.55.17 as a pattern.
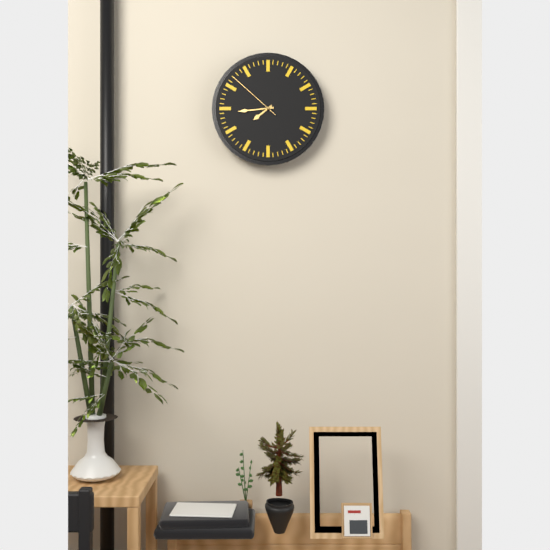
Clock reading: 7.44.52
